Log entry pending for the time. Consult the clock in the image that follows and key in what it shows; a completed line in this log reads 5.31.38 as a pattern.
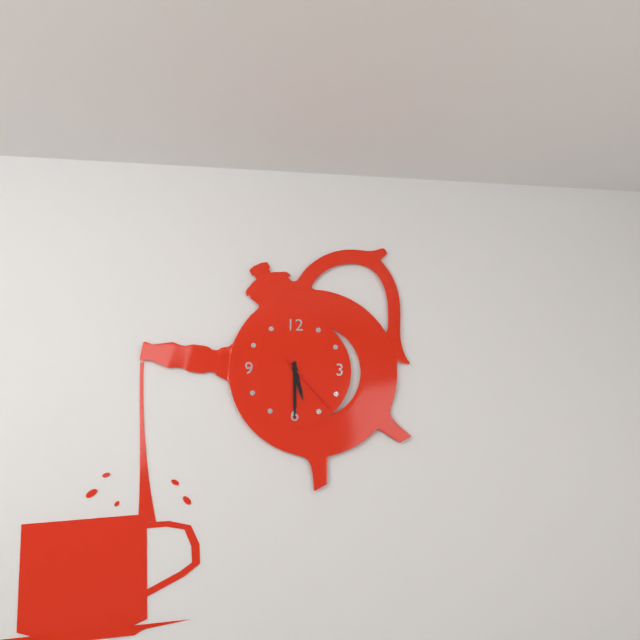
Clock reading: 5.30.23
